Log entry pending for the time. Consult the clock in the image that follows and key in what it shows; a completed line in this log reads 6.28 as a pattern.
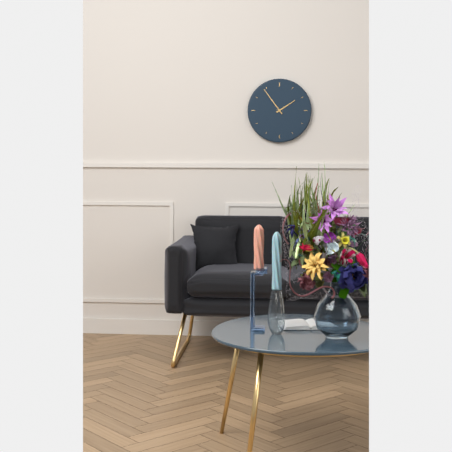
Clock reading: 1.54
